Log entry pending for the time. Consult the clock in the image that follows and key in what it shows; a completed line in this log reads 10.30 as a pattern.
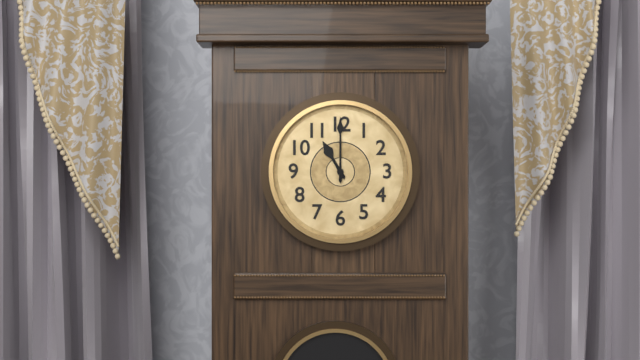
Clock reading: 11.00
